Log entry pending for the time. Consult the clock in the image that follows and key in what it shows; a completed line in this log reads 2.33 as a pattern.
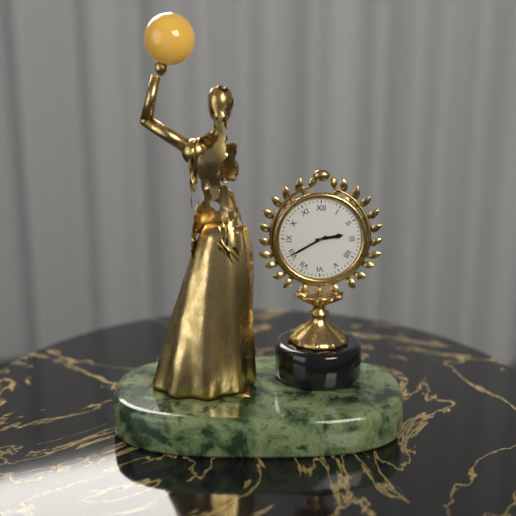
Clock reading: 2.40
